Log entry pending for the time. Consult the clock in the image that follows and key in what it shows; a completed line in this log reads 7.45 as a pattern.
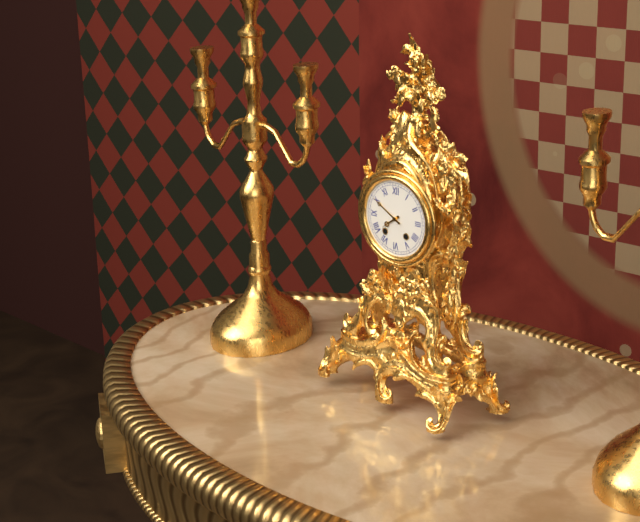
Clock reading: 7.50
